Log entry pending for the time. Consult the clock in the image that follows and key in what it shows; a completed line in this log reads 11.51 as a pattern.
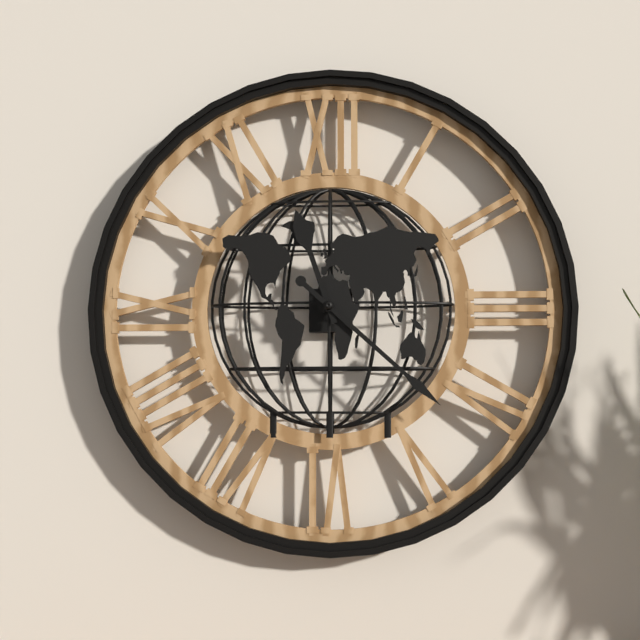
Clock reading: 11.22
